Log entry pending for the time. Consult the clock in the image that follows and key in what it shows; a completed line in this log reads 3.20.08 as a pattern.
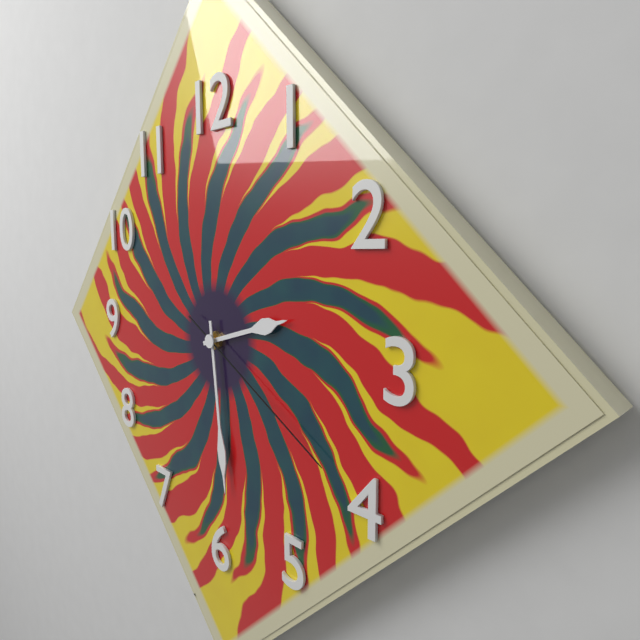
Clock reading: 2.29.20
